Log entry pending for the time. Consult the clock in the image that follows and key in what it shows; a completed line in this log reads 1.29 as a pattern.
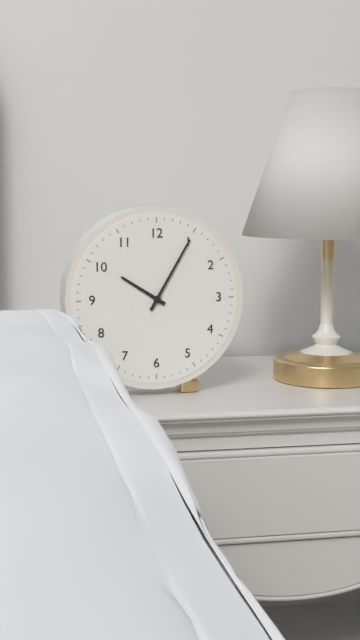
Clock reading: 10.05
